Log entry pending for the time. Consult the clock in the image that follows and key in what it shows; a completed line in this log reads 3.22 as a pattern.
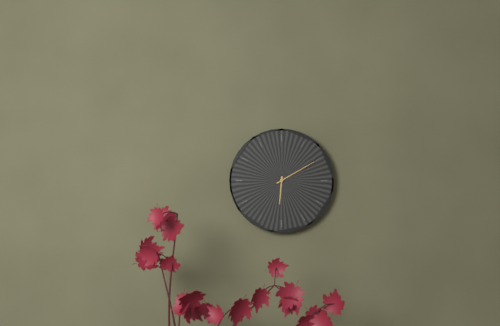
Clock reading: 6.10
